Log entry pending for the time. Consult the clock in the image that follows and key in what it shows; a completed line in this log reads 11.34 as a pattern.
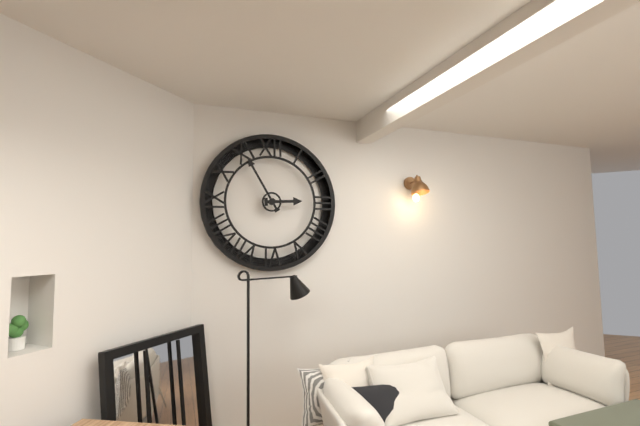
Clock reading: 2.55
